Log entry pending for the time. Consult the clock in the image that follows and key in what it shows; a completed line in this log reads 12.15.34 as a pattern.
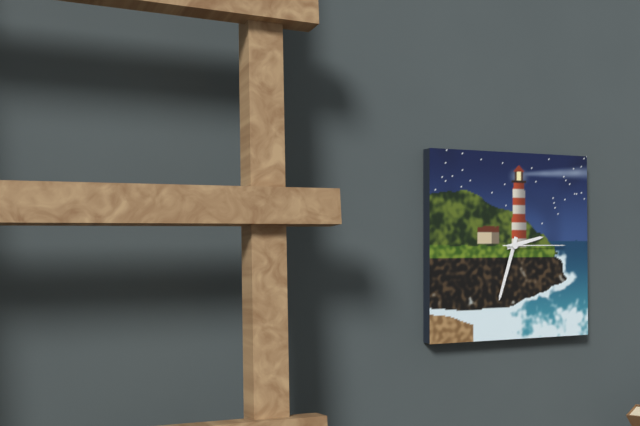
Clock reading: 2.33.15
